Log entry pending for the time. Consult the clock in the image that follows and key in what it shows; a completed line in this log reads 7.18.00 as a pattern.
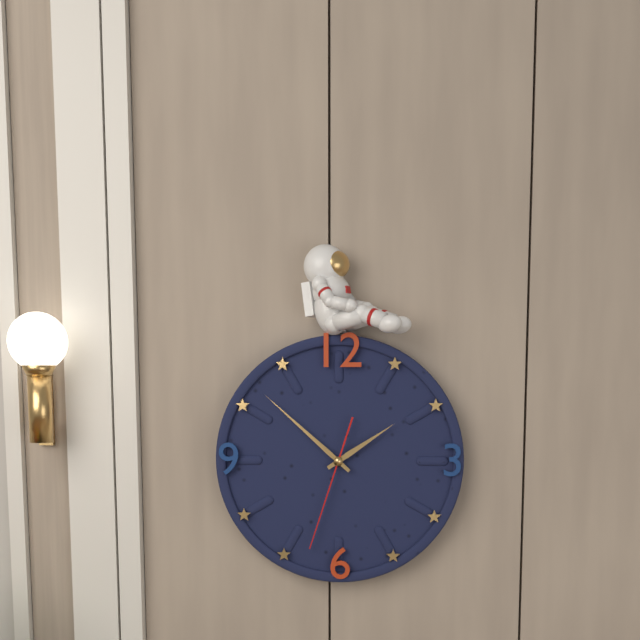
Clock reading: 1.52.33
